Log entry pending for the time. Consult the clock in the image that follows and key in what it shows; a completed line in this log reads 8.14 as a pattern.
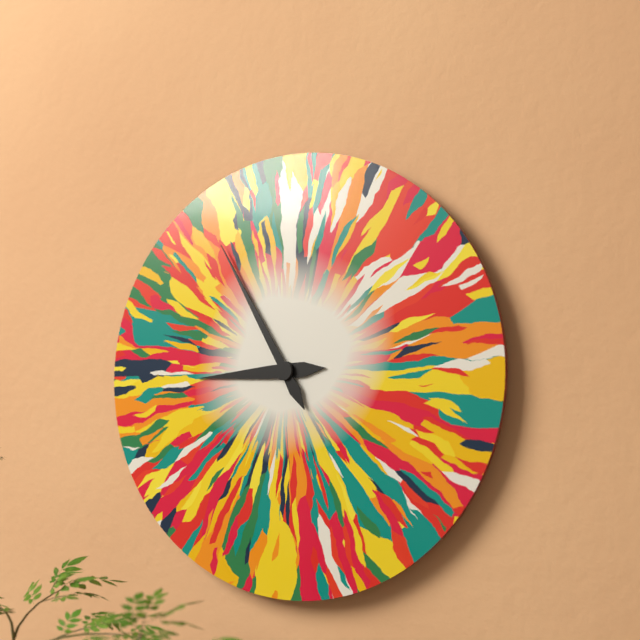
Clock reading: 8.55
